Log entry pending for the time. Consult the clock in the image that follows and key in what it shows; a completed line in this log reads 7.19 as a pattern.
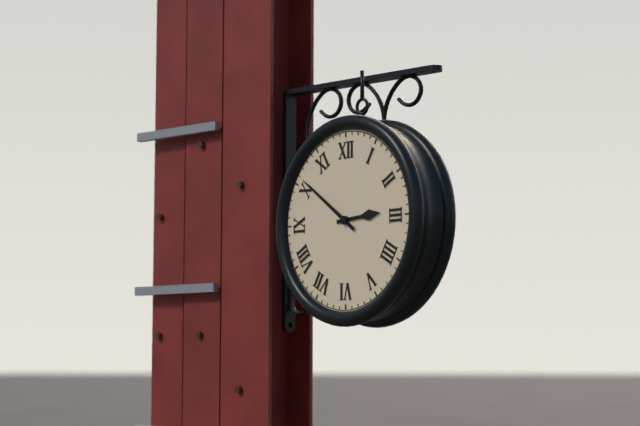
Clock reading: 2.51
